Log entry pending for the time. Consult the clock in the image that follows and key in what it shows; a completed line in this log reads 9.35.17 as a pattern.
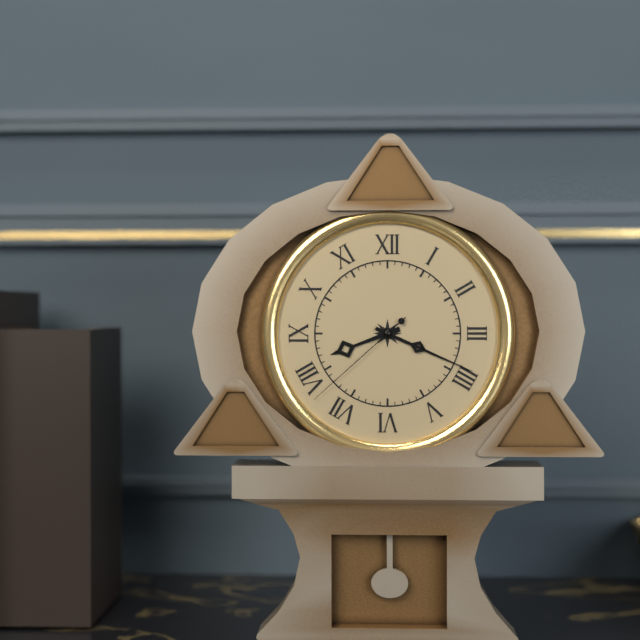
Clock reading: 8.19.38
